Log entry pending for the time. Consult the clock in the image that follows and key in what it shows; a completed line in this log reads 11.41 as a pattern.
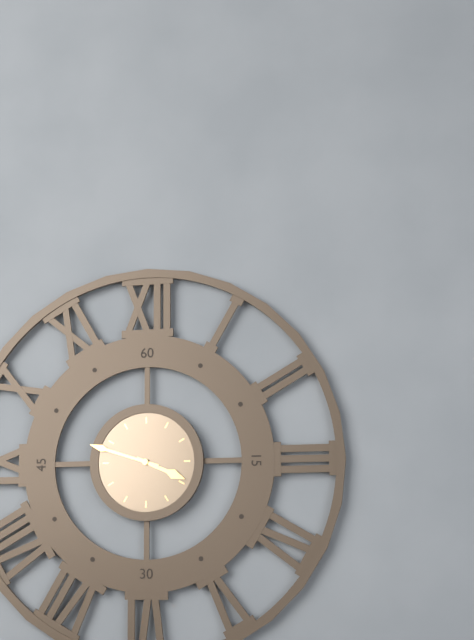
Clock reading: 3.48
